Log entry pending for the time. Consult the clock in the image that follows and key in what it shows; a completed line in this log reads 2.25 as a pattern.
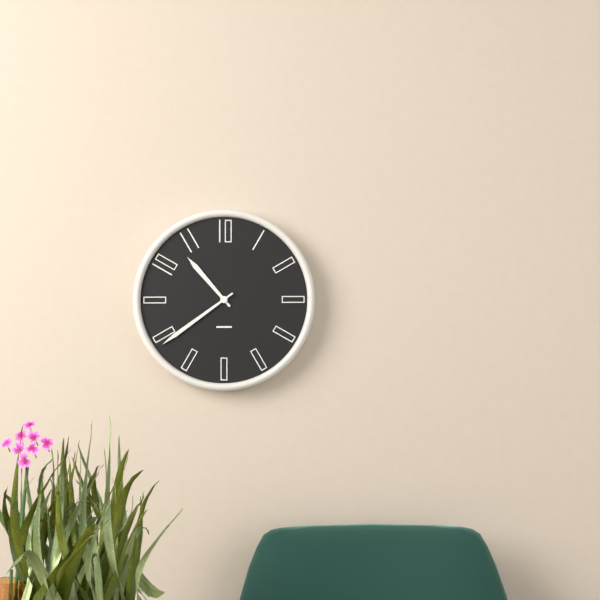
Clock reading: 10.39
